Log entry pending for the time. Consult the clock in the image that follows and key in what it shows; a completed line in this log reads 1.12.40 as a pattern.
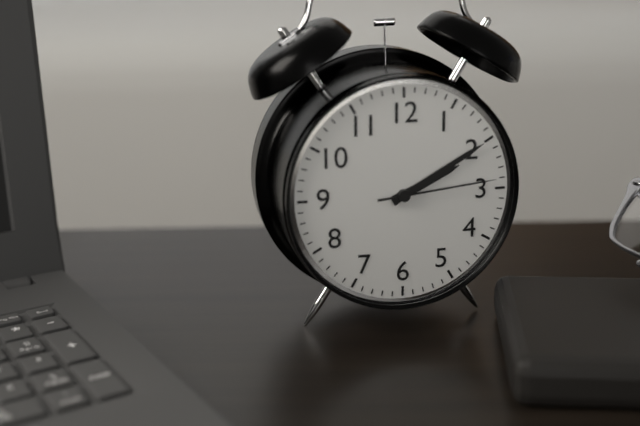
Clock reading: 2.10.14
